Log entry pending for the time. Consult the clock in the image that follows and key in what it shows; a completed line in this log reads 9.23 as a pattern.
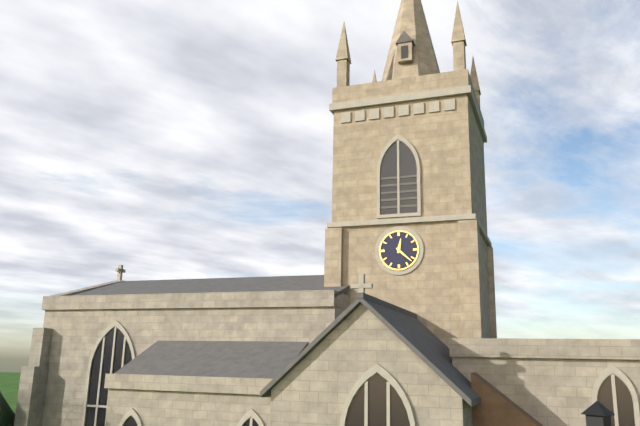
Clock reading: 12.22
